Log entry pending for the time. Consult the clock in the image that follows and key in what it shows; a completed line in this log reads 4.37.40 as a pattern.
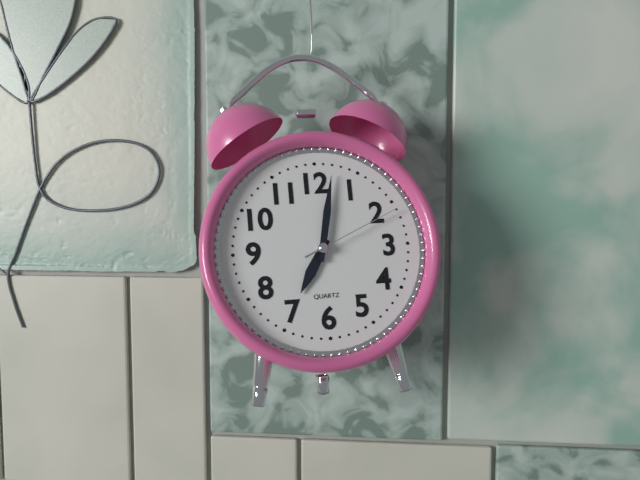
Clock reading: 7.02.11
